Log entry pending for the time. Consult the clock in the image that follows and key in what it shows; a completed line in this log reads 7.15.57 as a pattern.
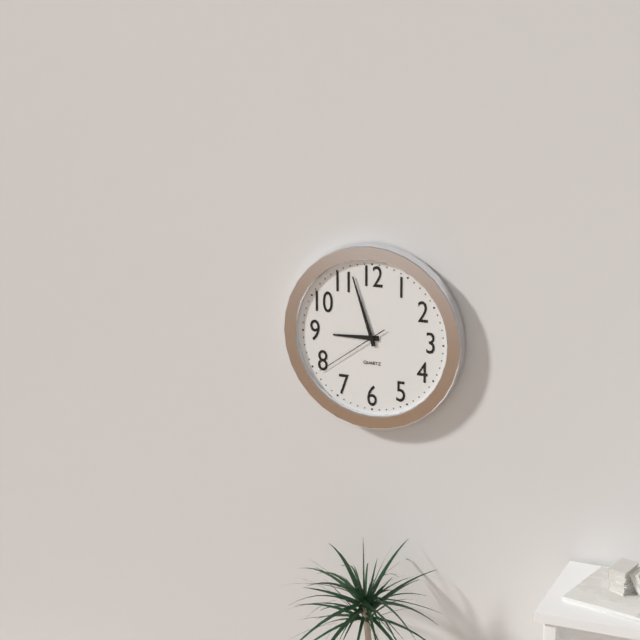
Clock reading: 8.57.39
